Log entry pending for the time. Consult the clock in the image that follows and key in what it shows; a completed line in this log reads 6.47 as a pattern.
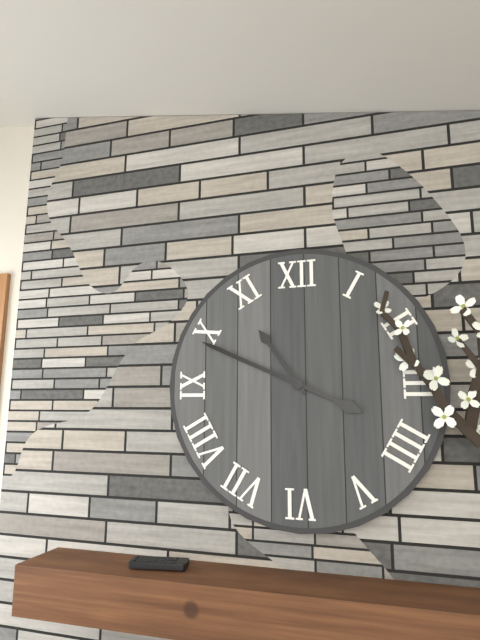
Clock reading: 10.49
